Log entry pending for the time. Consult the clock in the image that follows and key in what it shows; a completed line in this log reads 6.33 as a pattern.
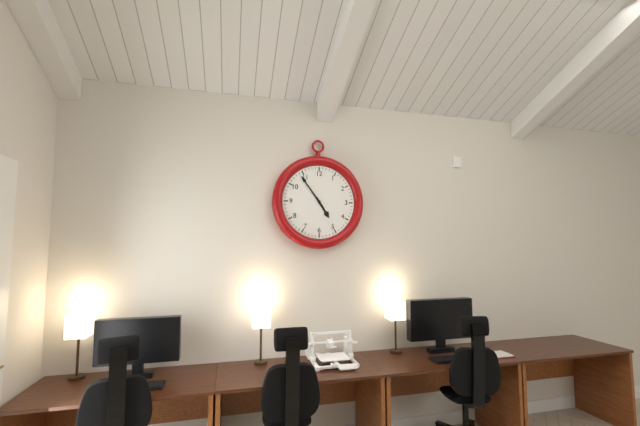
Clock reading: 4.54
